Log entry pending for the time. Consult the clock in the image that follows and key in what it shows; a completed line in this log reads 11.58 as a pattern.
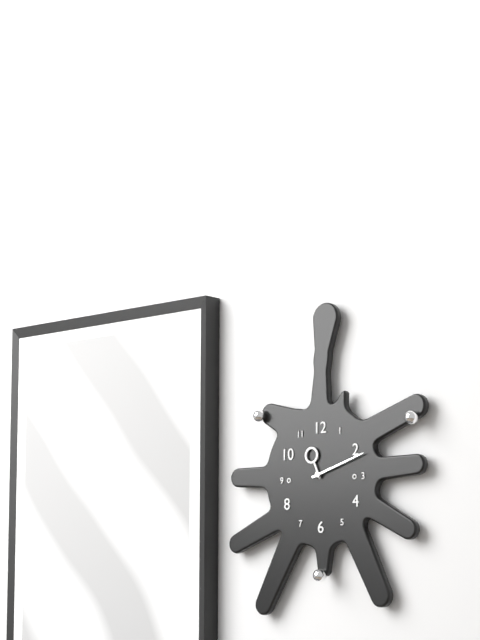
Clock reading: 11.12
